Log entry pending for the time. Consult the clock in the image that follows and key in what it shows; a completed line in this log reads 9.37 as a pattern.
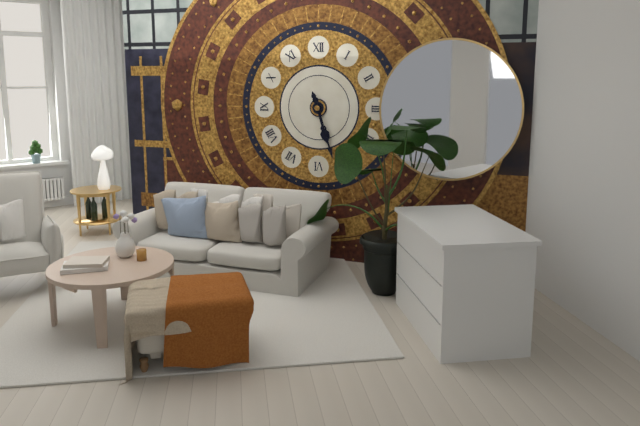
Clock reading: 5.27
